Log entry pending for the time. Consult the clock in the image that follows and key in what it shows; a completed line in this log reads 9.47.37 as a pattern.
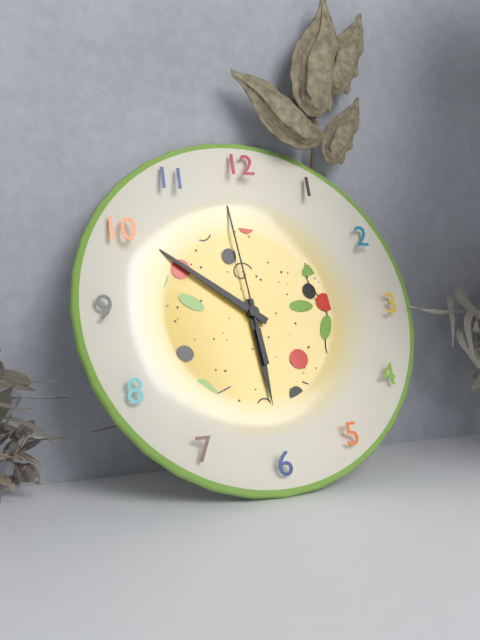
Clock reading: 5.51.59
